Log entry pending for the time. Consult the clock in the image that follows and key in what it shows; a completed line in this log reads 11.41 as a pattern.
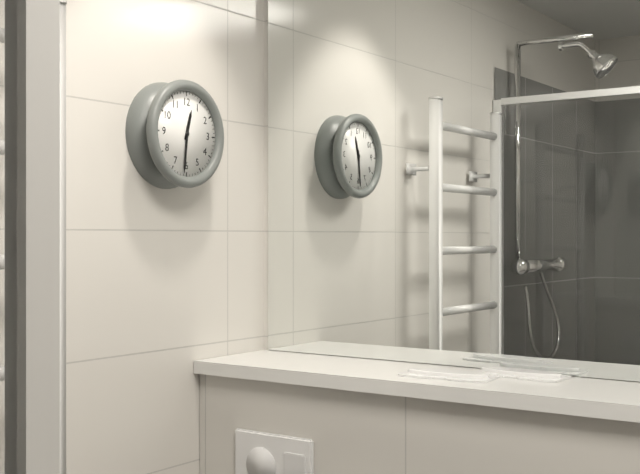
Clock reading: 12.31
